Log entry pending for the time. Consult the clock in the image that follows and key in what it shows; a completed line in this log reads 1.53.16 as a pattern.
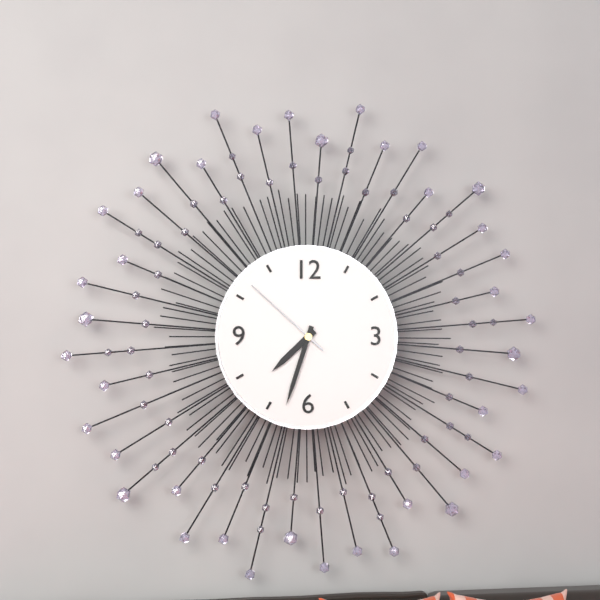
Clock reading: 7.33.52
